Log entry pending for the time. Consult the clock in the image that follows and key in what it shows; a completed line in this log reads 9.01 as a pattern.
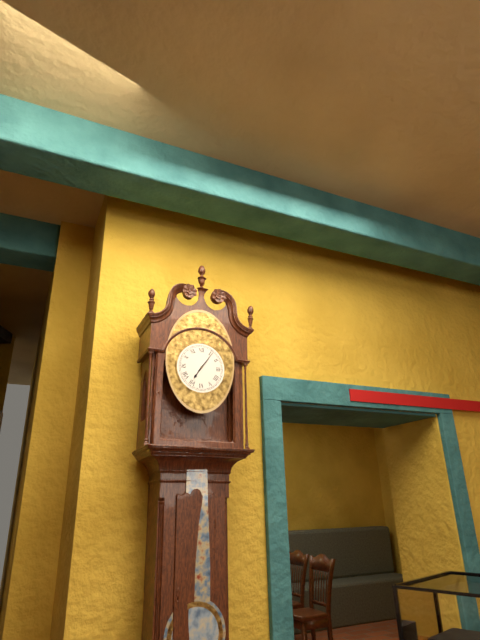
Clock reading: 7.06
